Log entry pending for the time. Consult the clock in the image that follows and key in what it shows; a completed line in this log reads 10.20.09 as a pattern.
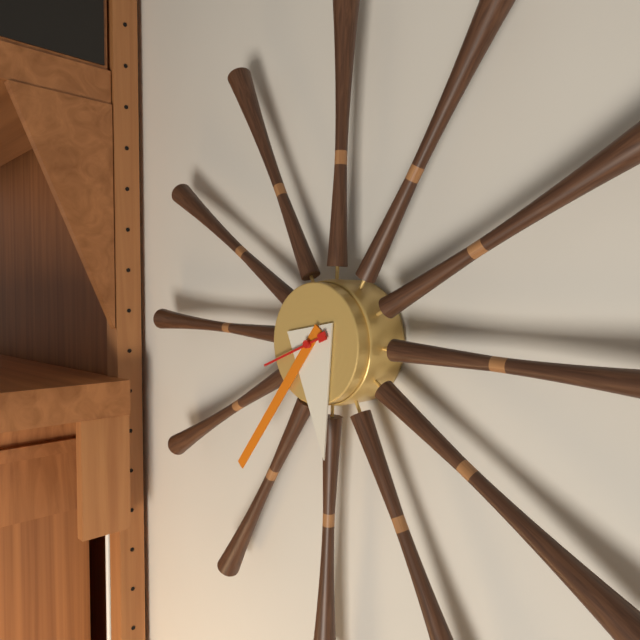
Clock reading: 5.36.41
